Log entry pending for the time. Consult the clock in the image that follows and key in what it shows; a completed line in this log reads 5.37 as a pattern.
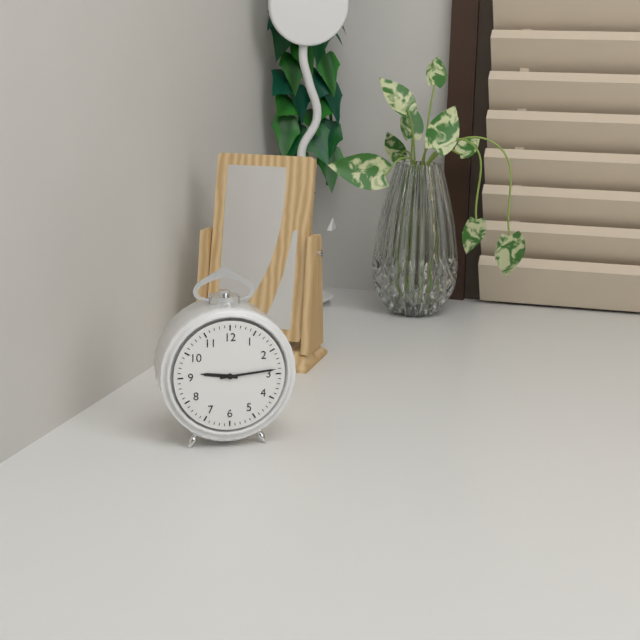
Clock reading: 9.14
